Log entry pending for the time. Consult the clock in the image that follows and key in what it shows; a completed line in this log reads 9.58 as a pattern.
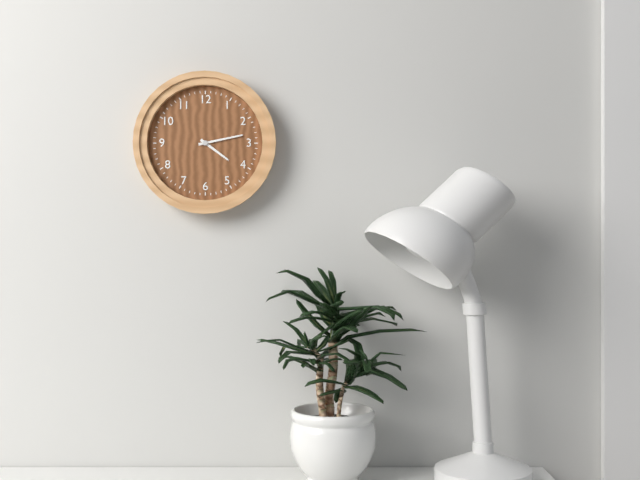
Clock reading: 4.13
